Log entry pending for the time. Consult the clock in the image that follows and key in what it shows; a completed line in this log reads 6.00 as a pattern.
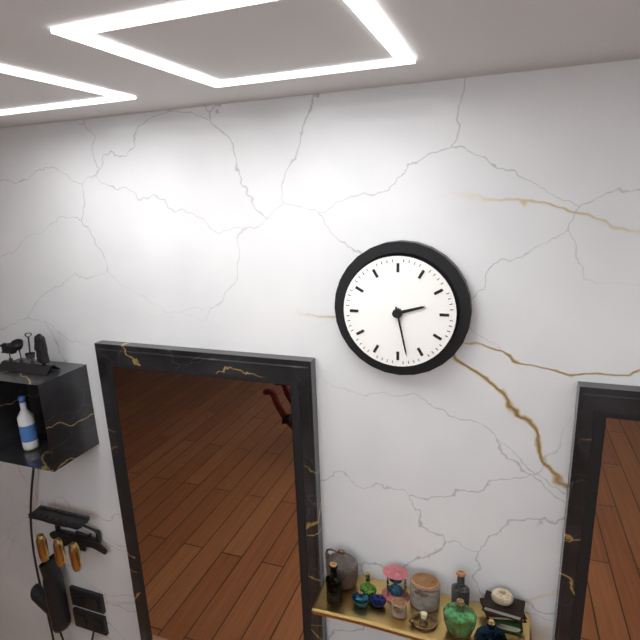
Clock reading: 2.28
